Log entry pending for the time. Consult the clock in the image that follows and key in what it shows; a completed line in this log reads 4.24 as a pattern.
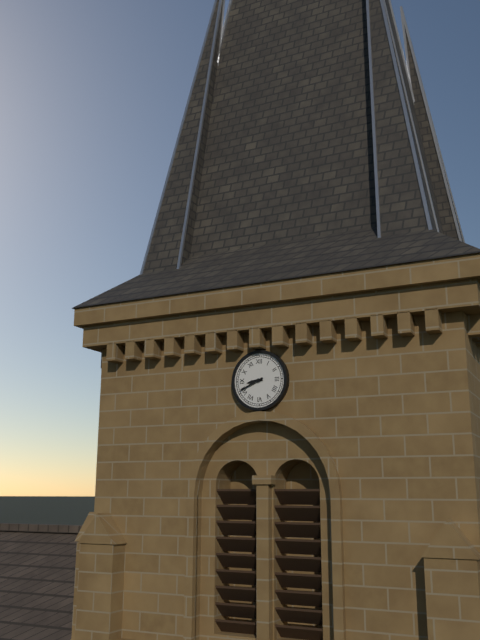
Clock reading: 8.41
